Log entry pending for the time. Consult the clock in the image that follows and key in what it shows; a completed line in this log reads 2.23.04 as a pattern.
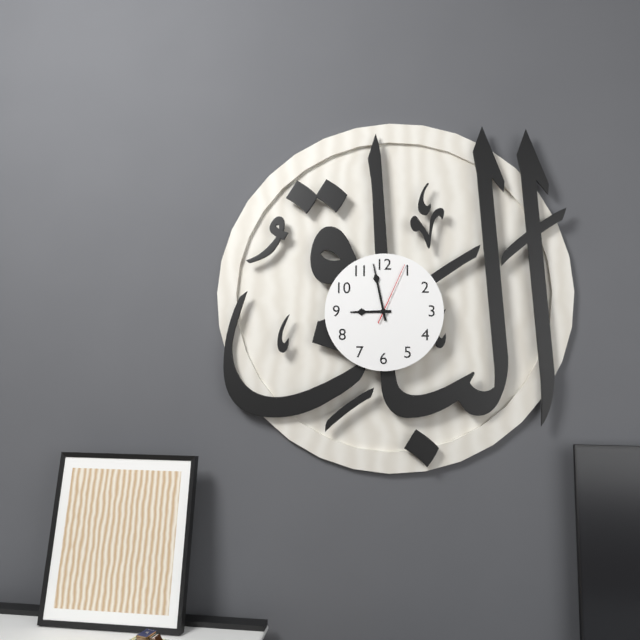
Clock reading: 8.58.04
